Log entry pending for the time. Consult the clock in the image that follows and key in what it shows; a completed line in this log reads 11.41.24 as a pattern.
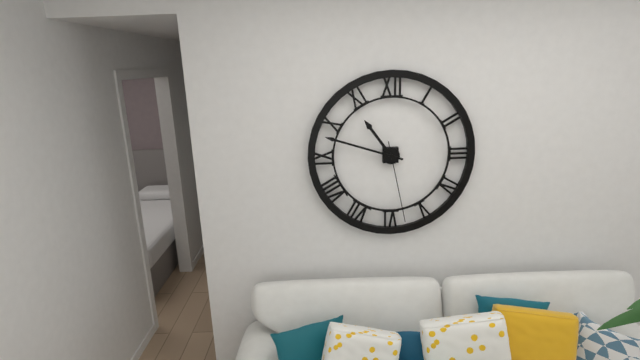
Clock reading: 10.48.28
